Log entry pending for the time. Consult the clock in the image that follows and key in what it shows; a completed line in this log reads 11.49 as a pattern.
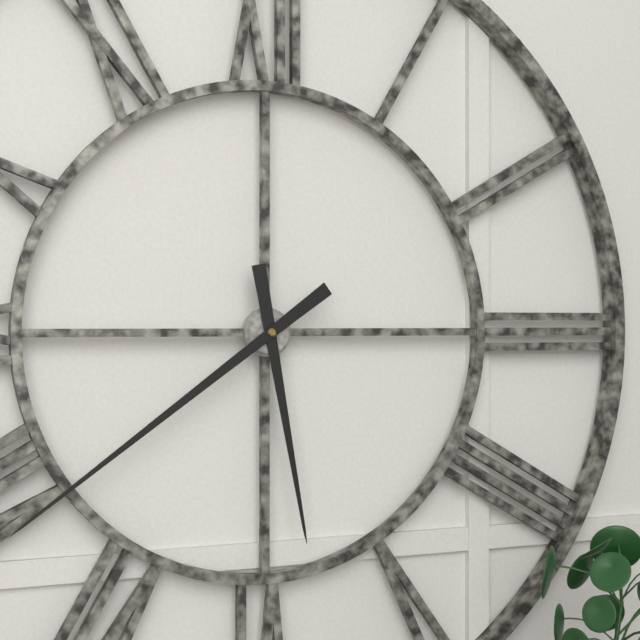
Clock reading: 5.39
